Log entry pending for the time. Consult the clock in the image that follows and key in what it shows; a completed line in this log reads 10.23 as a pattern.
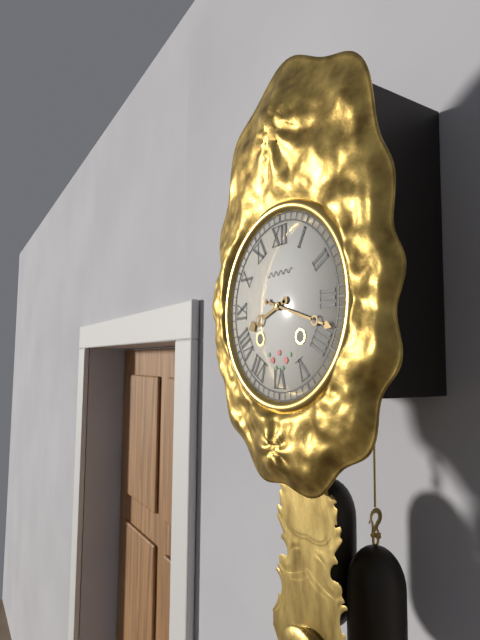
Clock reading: 8.18
